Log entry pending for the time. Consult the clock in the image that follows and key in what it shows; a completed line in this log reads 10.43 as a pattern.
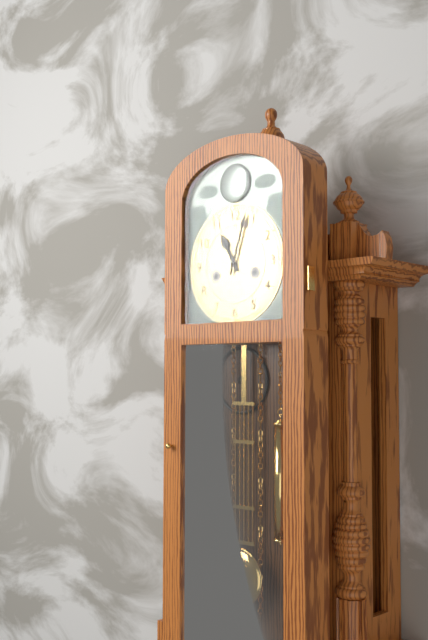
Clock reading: 11.03
